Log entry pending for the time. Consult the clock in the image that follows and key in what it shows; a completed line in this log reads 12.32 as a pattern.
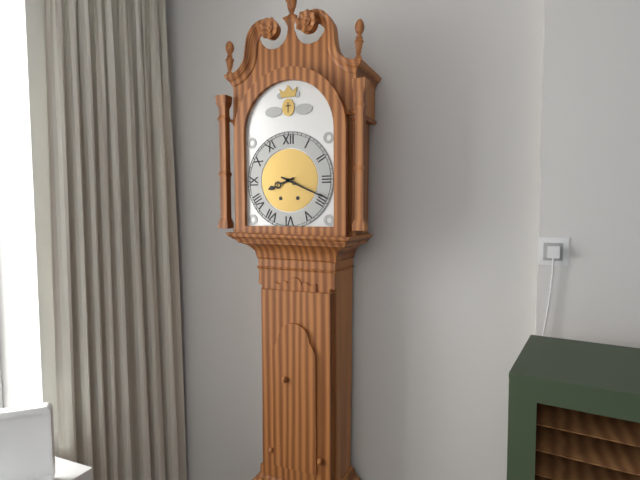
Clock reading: 8.19
